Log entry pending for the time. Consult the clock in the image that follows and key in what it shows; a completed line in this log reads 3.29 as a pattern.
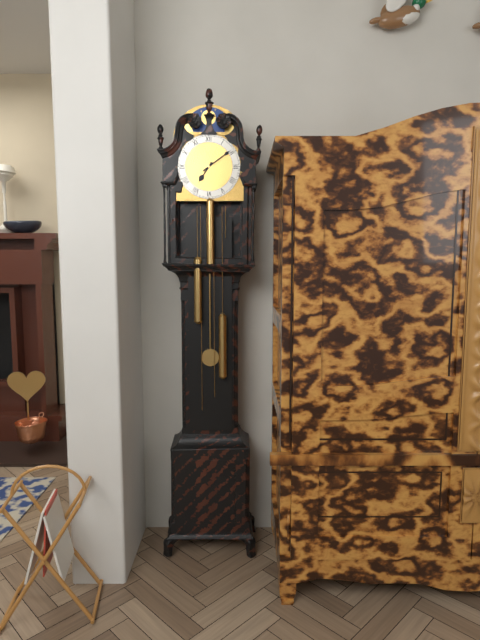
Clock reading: 7.09
